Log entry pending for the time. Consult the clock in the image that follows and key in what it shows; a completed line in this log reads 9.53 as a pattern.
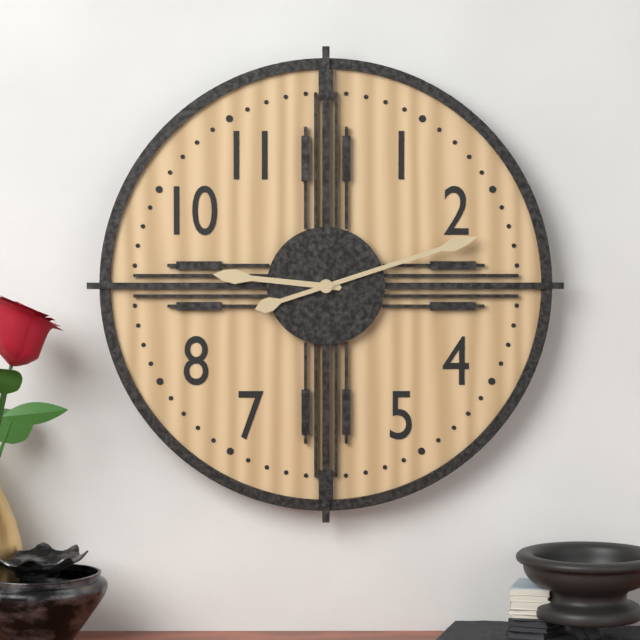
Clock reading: 9.12
